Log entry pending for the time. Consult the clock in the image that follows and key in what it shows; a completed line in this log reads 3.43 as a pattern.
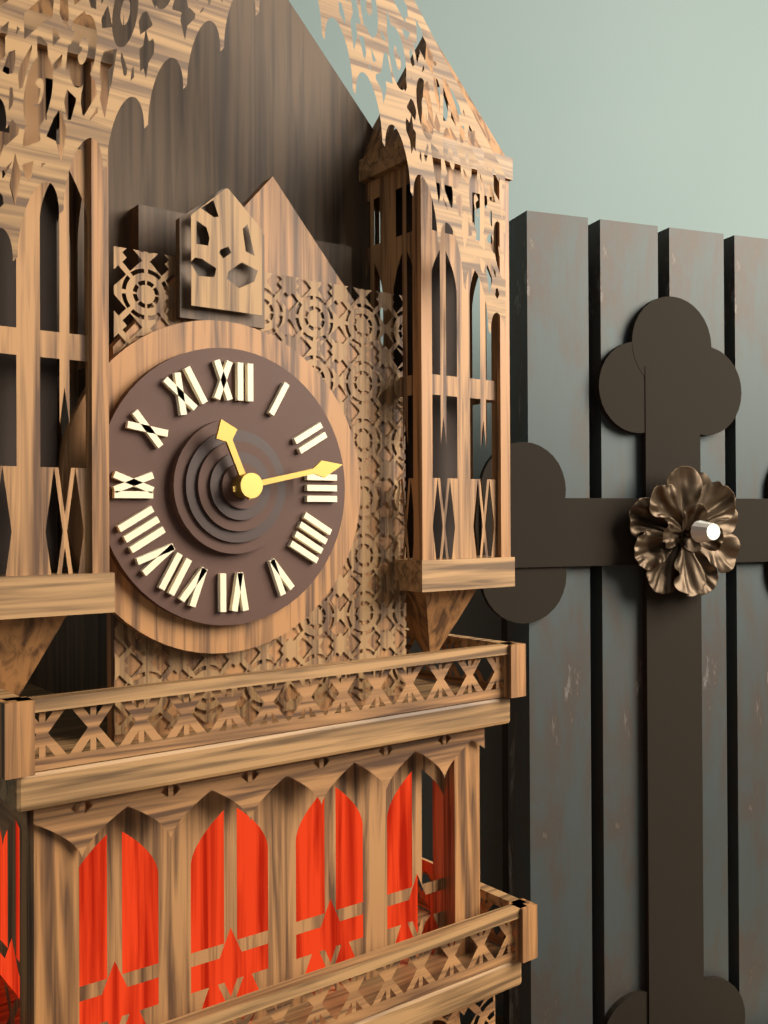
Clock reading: 11.13
